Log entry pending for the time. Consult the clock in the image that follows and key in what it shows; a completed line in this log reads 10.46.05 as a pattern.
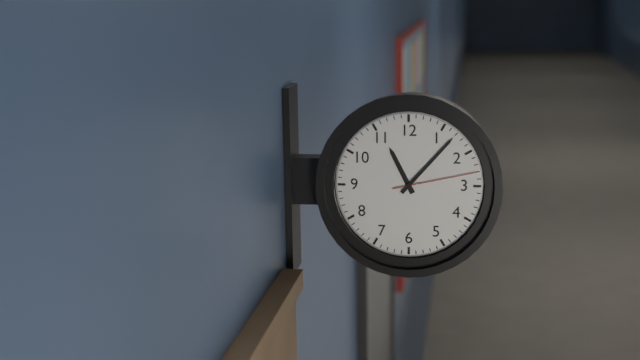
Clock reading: 11.07.13
